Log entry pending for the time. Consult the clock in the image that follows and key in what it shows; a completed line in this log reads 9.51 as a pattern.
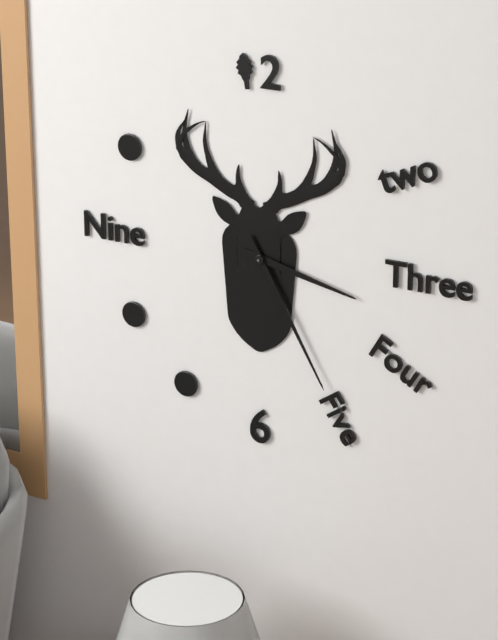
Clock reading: 3.25
